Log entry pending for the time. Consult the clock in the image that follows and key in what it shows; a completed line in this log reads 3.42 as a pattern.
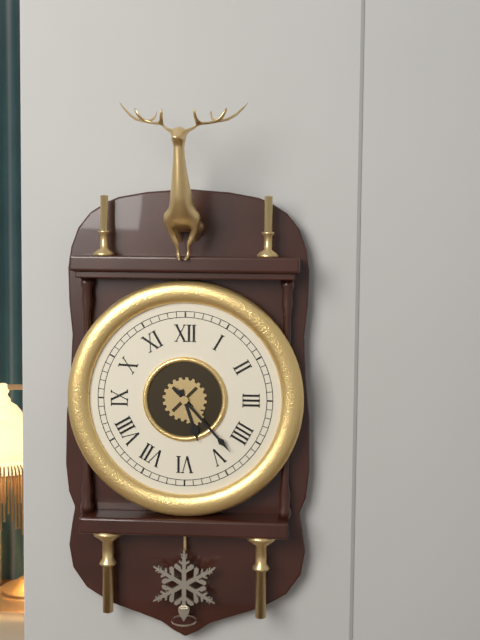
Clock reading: 5.23
